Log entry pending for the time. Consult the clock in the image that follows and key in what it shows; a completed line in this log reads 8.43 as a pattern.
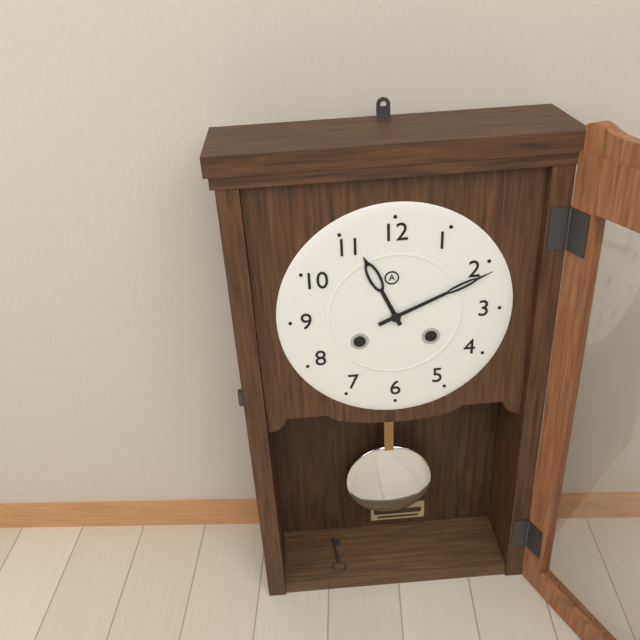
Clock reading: 11.11
